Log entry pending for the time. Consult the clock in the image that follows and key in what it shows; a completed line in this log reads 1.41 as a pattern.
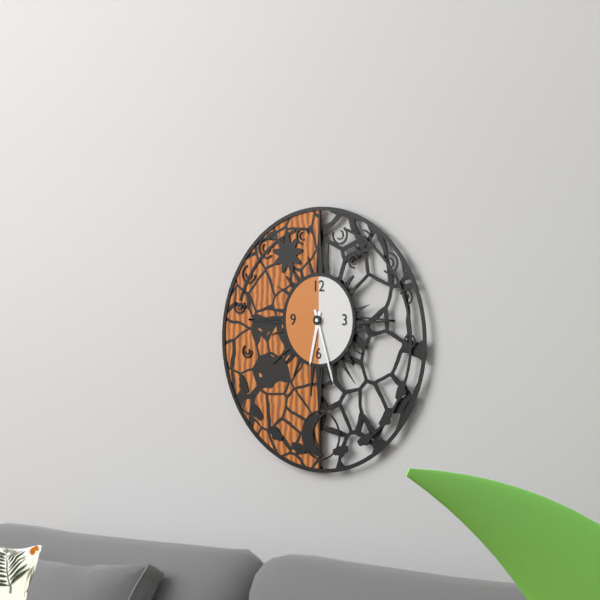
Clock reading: 6.27
